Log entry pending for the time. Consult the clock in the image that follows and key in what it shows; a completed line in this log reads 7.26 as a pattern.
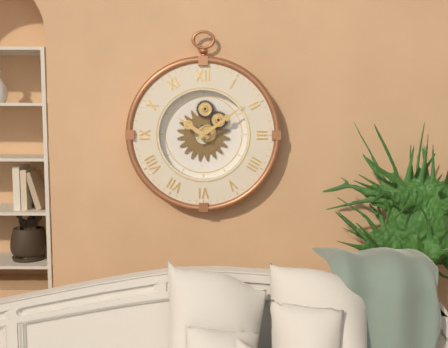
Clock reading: 10.09
